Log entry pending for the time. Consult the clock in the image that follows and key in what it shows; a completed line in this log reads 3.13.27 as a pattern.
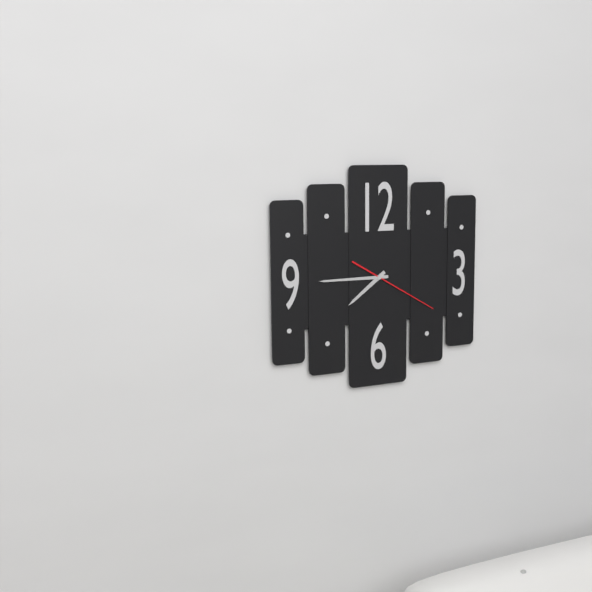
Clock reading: 7.45.20
